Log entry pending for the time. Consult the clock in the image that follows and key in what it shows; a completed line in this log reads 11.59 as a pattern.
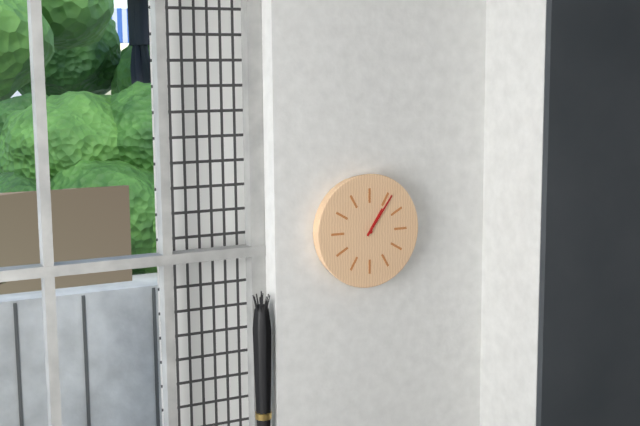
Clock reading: 1.06
